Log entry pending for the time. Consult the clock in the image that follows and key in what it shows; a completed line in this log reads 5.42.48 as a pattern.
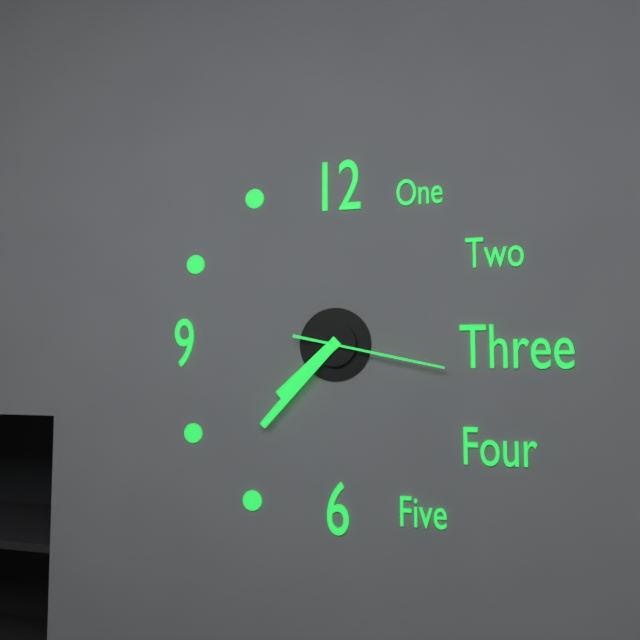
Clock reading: 7.37.17
